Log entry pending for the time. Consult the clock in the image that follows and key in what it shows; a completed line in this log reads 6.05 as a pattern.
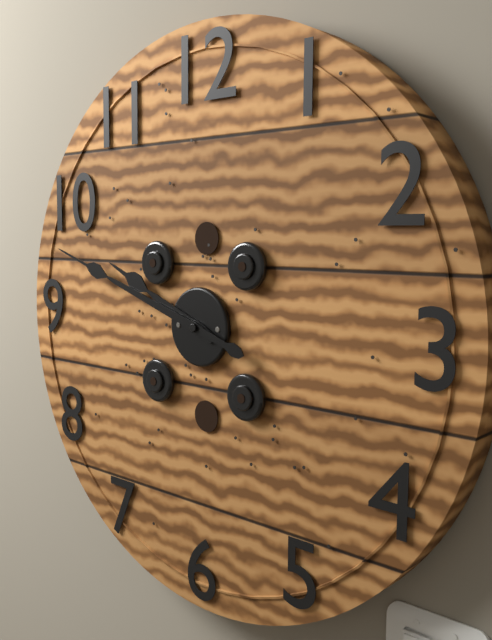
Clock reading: 9.48
